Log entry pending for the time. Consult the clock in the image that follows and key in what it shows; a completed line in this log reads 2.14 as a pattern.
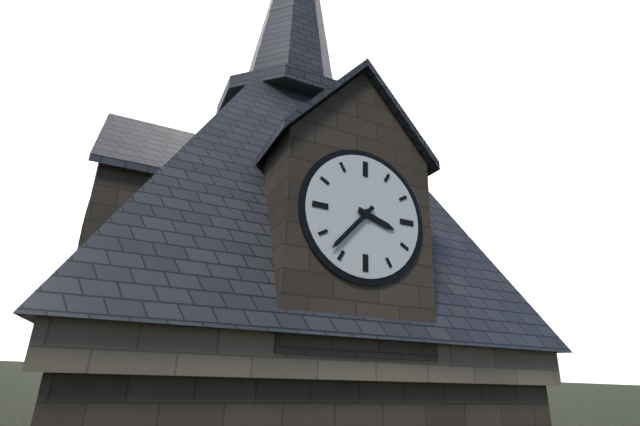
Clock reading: 3.37
